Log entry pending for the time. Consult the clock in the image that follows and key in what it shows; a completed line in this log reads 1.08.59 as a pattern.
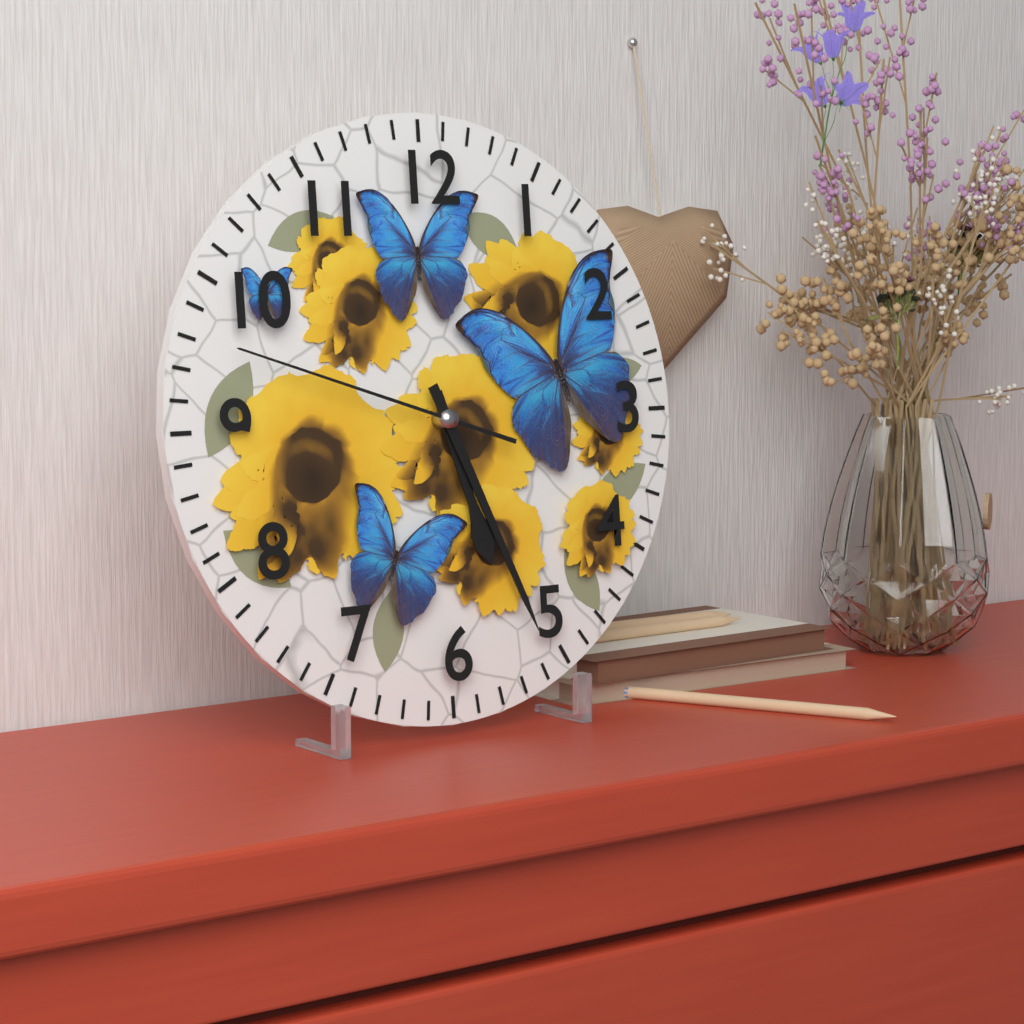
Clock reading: 5.26.48
